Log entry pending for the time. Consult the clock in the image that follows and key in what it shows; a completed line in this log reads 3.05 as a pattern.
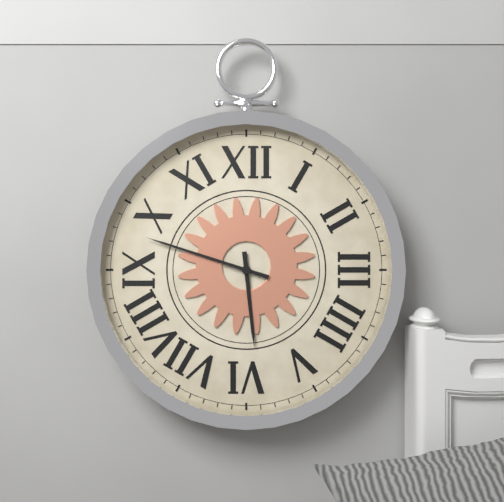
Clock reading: 5.48
